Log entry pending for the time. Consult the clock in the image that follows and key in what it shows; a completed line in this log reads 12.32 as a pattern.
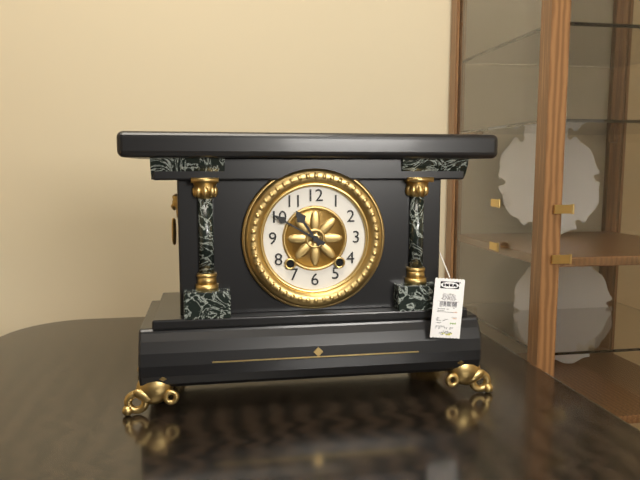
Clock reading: 10.50
